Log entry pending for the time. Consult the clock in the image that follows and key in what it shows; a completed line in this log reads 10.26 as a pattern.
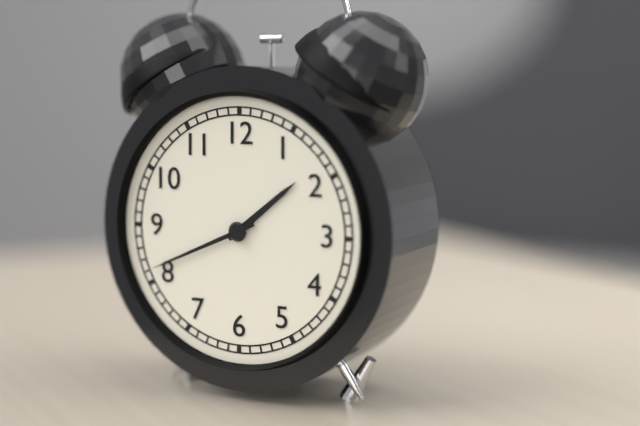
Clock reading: 1.41
